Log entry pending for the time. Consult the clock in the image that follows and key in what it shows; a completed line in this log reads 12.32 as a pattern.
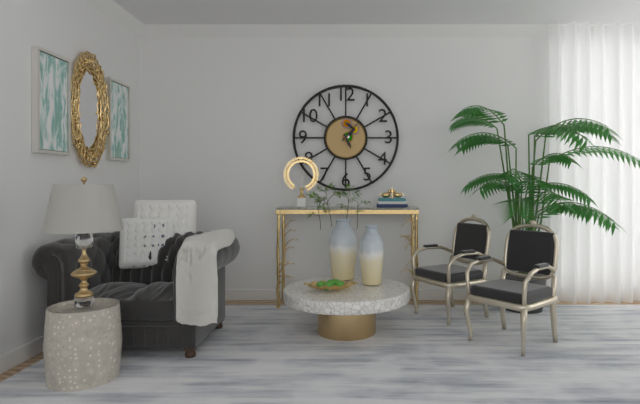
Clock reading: 5.07
